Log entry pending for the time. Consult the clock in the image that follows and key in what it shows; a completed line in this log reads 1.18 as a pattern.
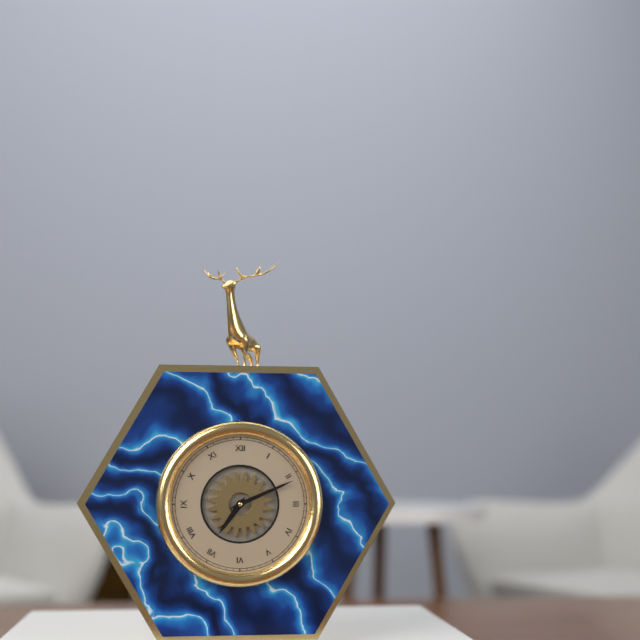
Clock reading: 7.11
